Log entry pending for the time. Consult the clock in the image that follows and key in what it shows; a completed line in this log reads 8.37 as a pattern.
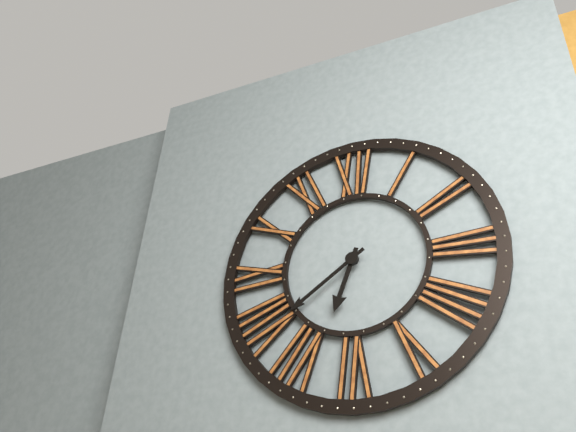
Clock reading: 6.39
